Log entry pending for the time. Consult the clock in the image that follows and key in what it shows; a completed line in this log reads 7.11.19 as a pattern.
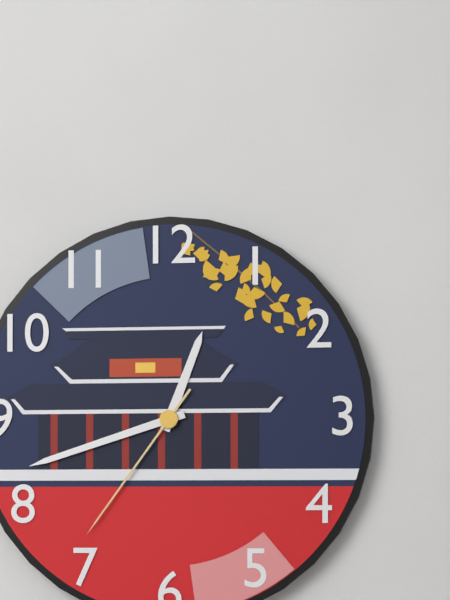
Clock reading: 12.42.36
